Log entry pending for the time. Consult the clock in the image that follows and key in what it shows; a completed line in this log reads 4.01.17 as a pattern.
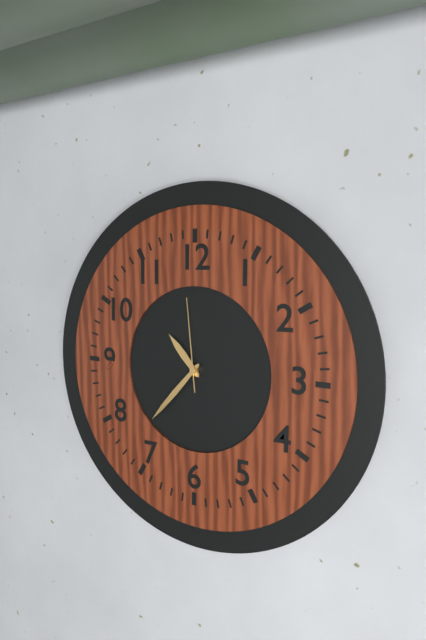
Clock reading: 10.37.59
